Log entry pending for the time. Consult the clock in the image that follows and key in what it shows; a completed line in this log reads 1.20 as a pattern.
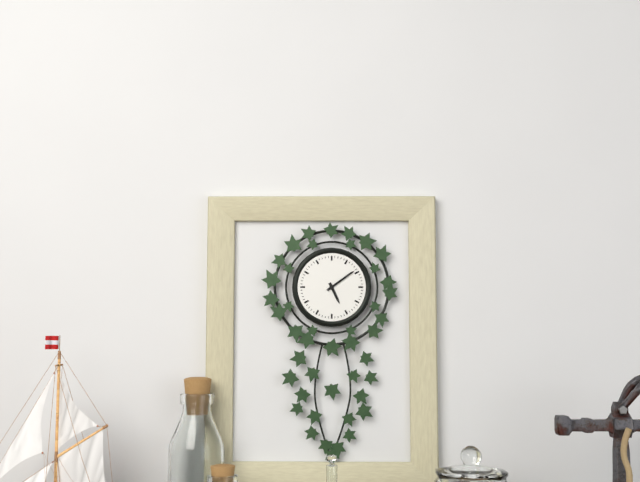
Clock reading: 5.09
